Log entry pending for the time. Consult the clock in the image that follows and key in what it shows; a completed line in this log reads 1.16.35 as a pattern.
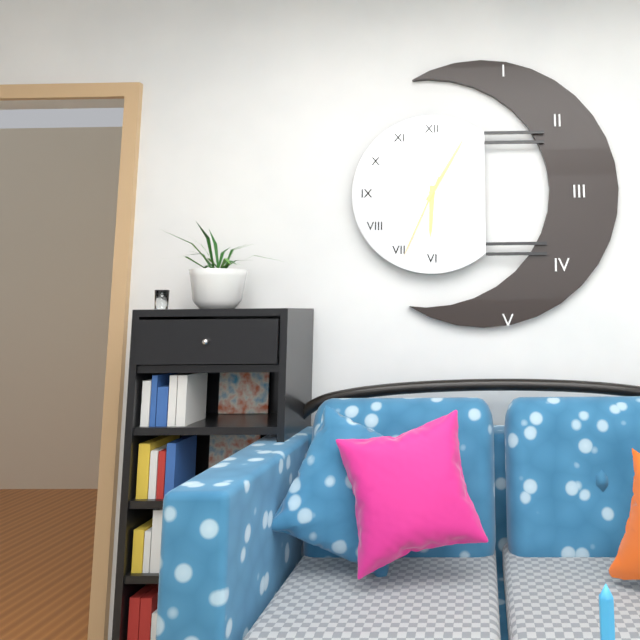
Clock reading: 6.05.34
